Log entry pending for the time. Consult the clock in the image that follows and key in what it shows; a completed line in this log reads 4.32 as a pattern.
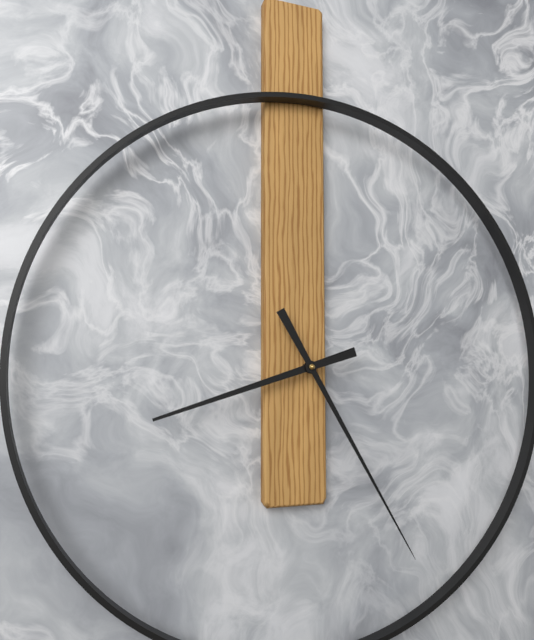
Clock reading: 8.25
